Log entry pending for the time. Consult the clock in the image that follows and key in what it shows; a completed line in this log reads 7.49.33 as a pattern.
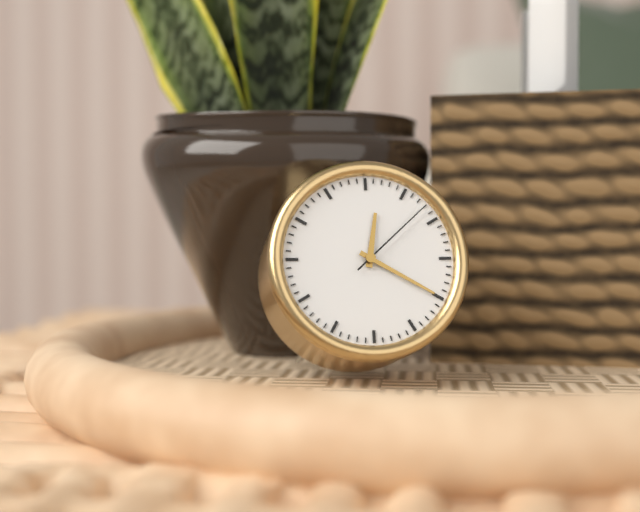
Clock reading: 12.20.08
